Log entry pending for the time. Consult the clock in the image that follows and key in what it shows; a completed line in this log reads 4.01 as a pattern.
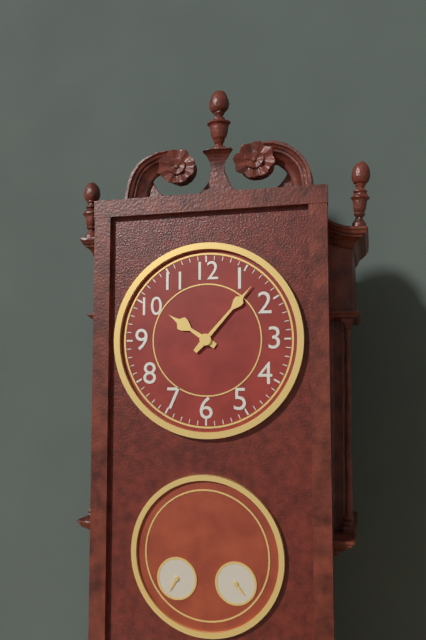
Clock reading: 10.07
